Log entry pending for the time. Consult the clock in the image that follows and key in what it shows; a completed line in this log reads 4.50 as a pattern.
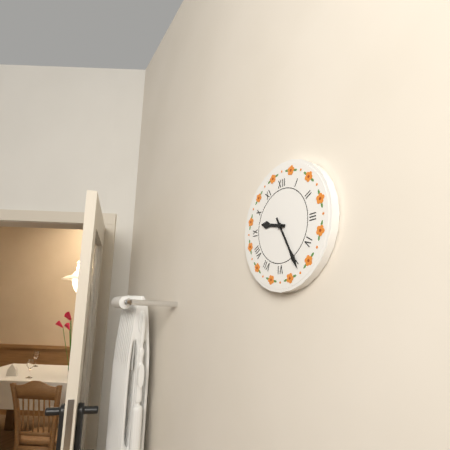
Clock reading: 9.25
